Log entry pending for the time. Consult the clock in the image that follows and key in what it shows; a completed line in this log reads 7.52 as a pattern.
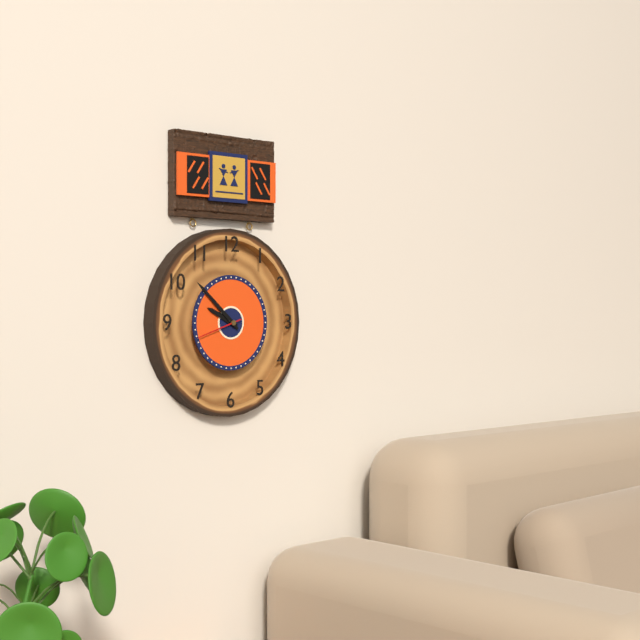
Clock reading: 9.52
